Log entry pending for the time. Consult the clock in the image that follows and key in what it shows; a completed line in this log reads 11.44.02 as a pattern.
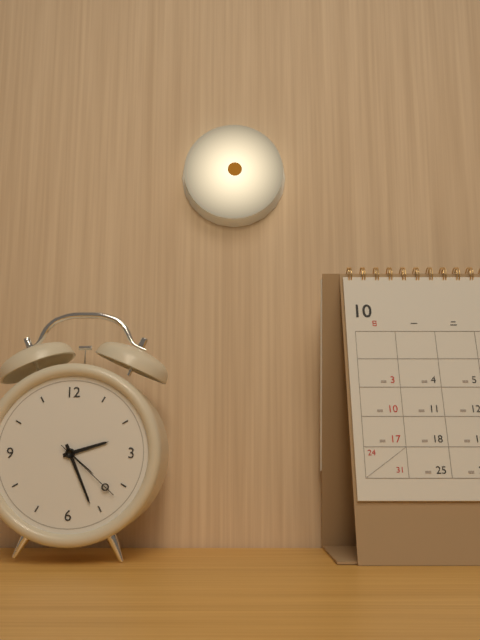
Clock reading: 2.26.22
